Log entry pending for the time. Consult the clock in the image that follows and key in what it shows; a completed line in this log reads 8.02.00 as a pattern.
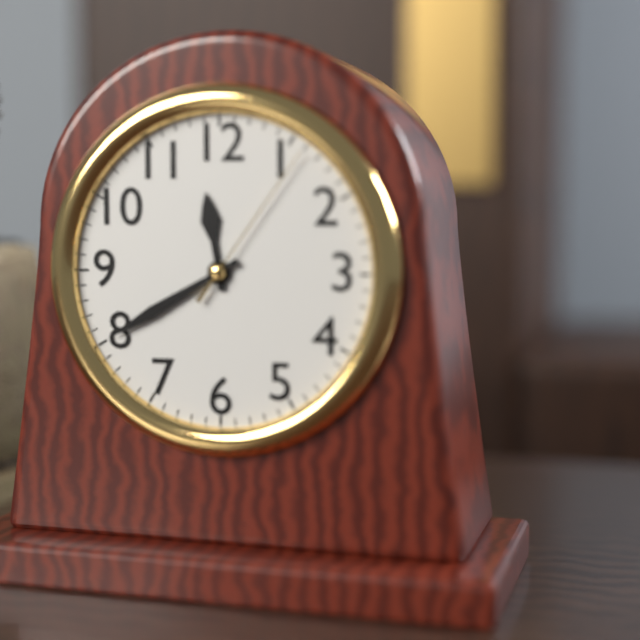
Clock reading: 11.40.06
